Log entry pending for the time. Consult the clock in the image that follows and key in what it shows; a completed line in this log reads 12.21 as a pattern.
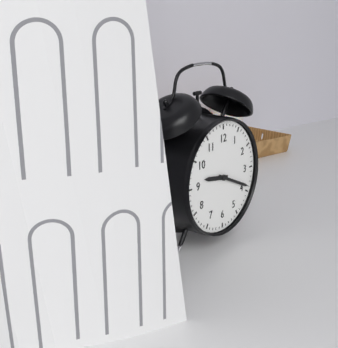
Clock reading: 9.19
